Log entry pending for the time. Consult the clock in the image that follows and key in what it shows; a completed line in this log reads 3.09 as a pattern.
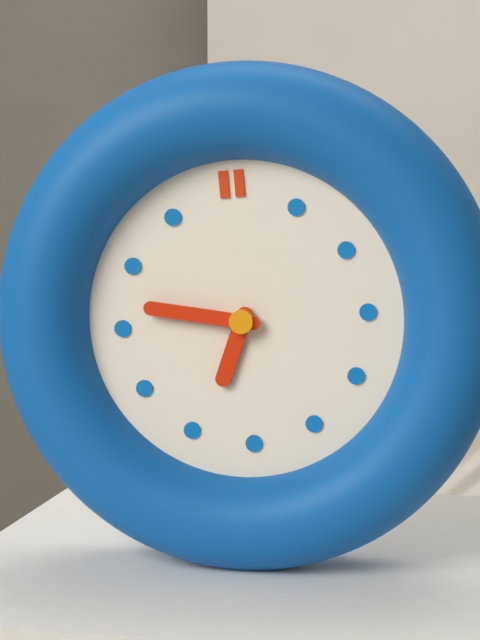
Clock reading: 6.47
